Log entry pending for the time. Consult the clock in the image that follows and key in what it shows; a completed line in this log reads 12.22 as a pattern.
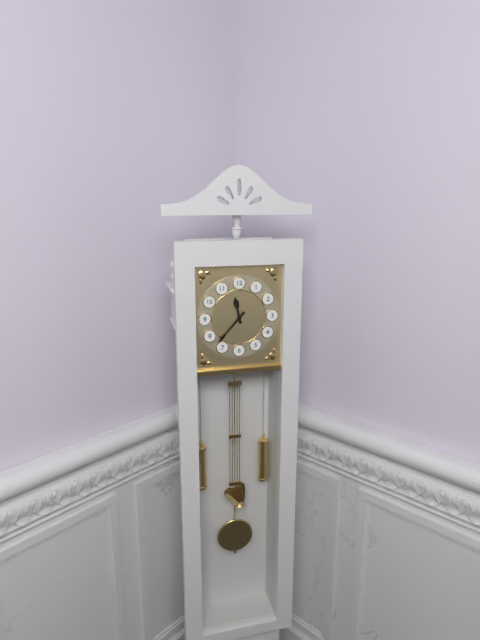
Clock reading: 11.37
